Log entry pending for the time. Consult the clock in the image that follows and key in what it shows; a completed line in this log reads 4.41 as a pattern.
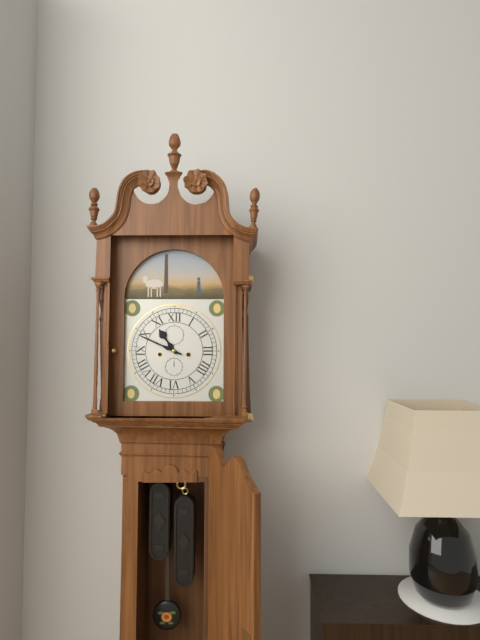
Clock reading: 10.49
